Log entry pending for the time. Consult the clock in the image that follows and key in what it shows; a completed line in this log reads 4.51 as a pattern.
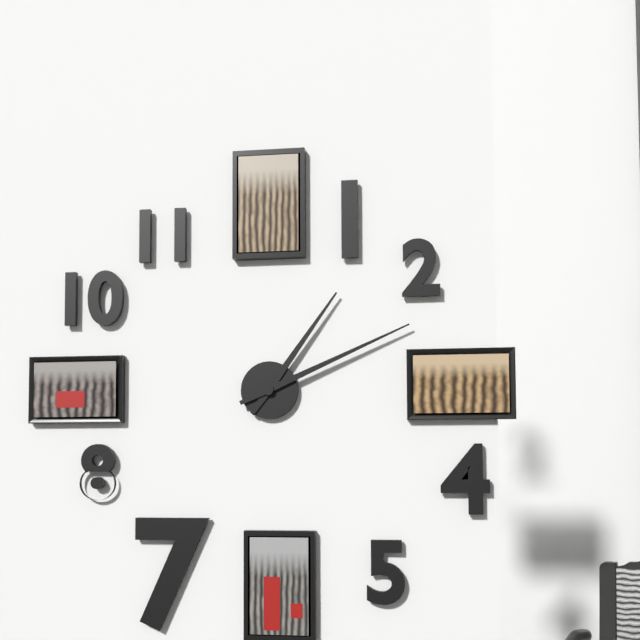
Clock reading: 1.11
